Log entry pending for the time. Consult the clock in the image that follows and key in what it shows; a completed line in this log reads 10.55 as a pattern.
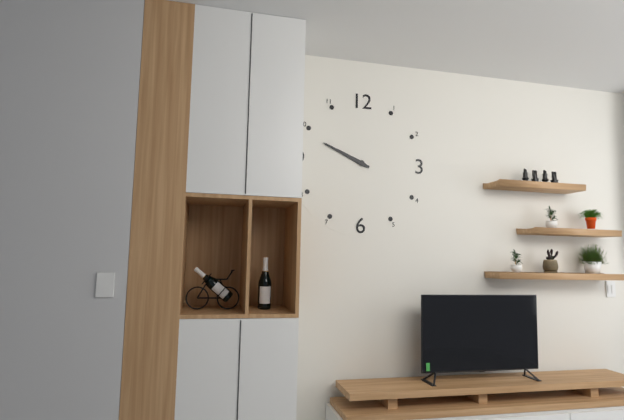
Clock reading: 9.49
